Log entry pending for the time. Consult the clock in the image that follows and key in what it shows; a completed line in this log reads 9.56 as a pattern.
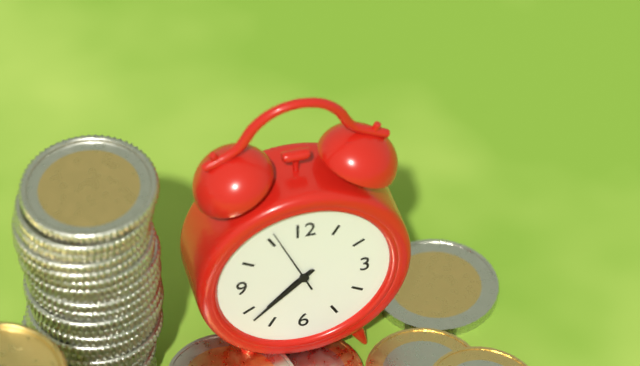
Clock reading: 7.38
